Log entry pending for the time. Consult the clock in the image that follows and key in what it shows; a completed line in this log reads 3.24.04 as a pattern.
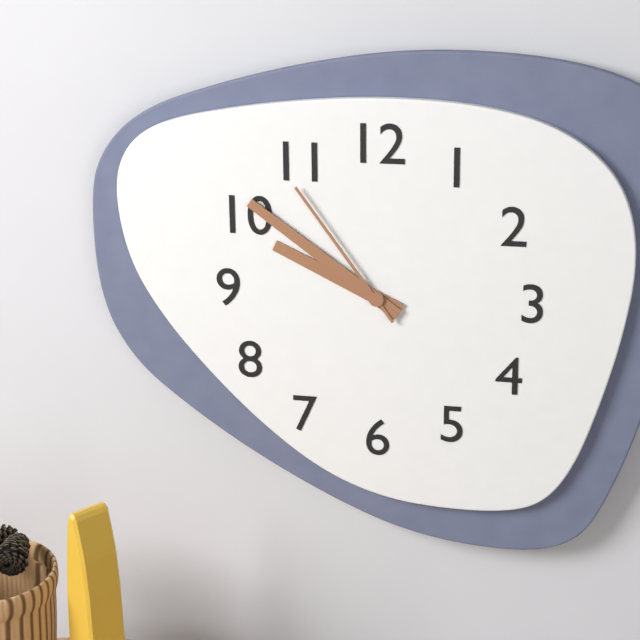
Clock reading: 9.51.54
